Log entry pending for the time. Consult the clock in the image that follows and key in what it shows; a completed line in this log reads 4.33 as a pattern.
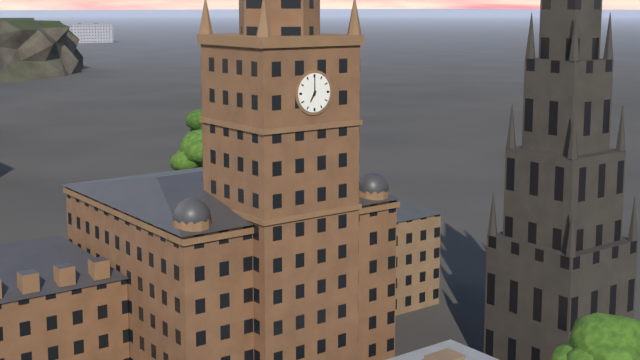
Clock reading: 7.00
